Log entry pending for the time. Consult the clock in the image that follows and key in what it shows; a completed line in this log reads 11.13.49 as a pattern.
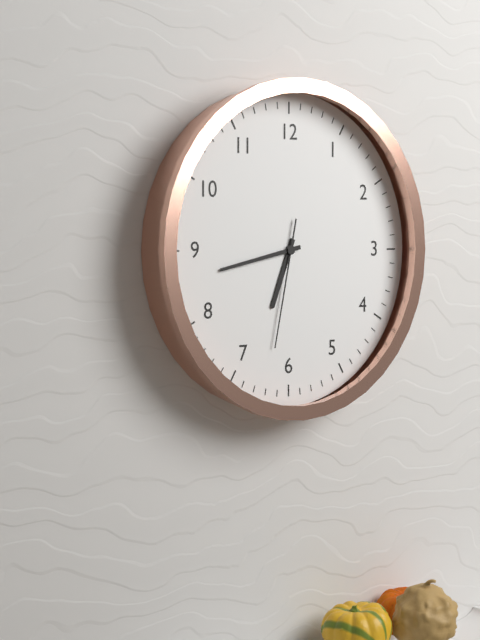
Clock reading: 6.43.32
